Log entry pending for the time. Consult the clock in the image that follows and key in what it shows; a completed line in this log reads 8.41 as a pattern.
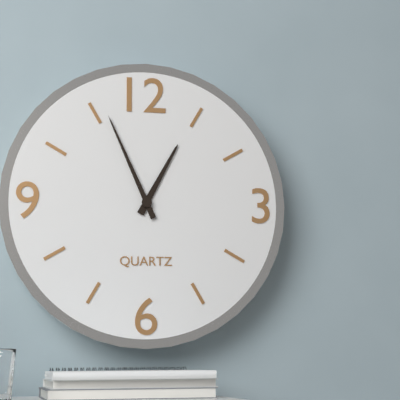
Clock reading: 12.56
